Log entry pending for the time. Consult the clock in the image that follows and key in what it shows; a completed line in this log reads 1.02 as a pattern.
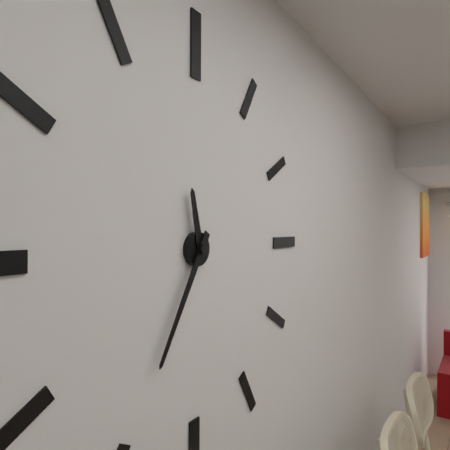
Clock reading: 11.35
